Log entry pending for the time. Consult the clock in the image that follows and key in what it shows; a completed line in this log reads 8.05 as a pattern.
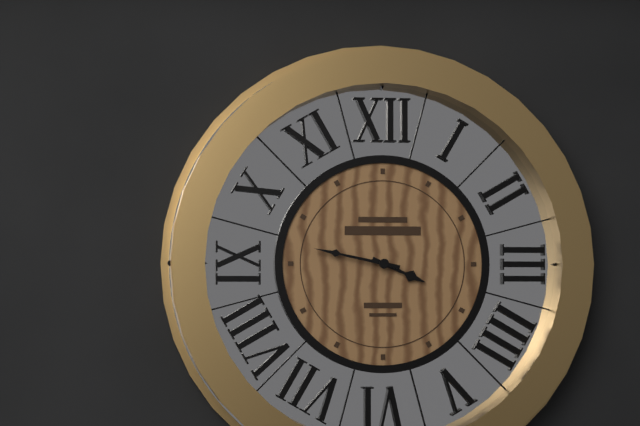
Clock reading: 3.47
